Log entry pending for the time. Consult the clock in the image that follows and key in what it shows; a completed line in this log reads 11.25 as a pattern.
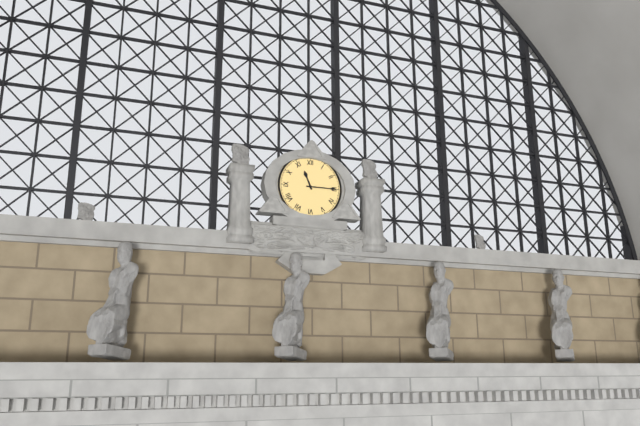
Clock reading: 11.15
